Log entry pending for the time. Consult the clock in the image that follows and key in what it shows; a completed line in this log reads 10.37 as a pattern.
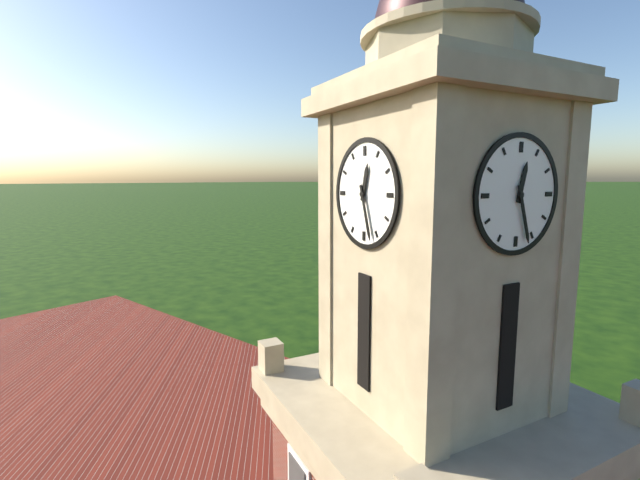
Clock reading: 12.27
